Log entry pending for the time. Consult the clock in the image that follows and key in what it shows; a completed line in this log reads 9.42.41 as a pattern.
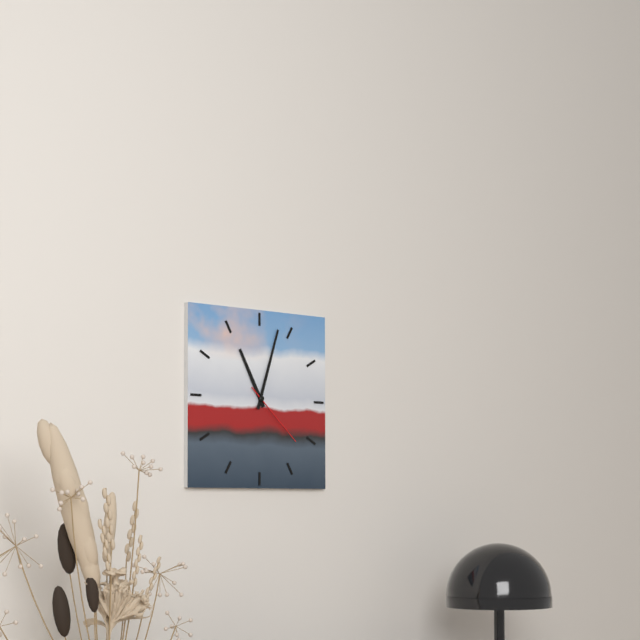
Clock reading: 11.03.22
